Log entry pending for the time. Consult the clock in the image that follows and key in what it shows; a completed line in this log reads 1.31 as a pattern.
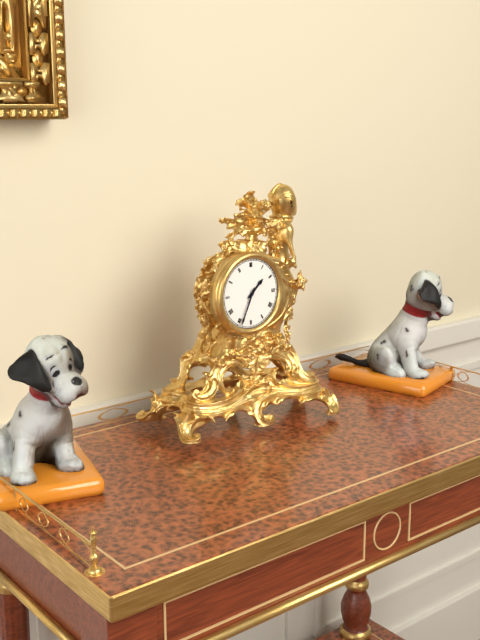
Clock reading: 1.34
